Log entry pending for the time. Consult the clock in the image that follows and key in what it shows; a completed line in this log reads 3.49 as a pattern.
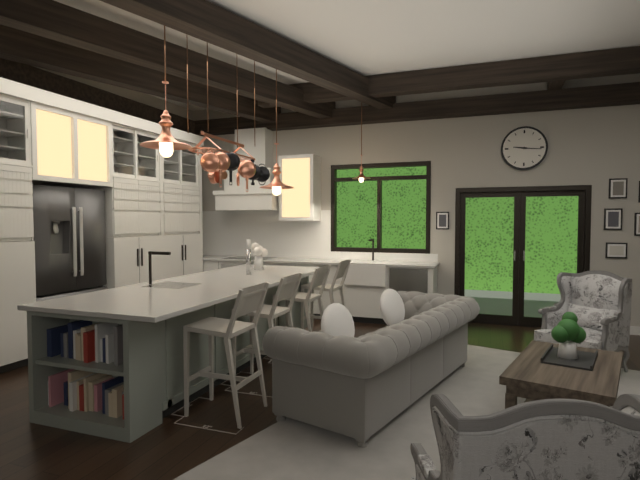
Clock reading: 9.16
